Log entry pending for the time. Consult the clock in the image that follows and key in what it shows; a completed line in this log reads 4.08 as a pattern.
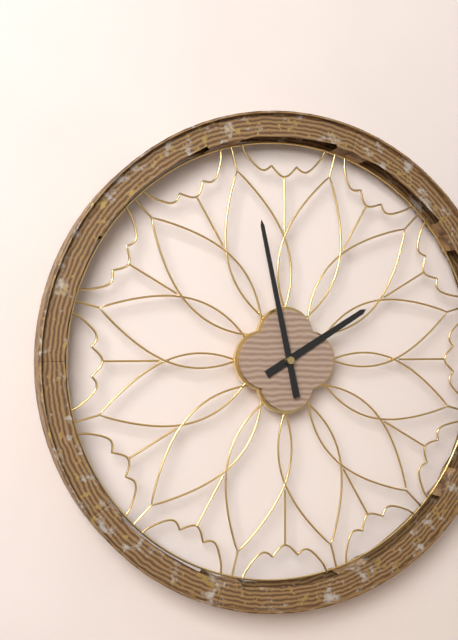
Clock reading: 1.58
